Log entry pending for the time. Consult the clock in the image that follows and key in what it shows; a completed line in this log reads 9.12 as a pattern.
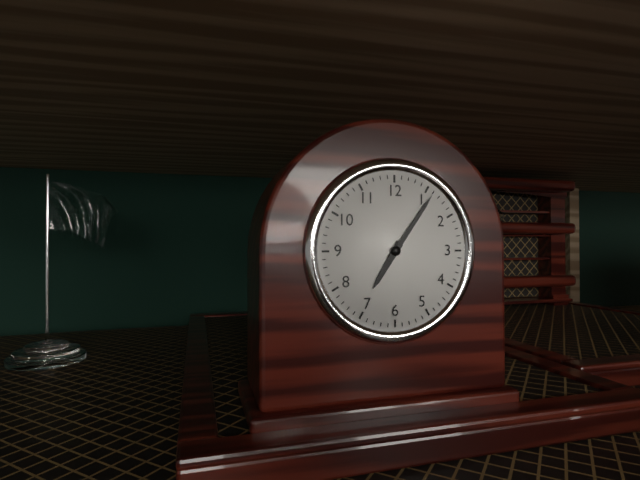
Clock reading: 7.06
